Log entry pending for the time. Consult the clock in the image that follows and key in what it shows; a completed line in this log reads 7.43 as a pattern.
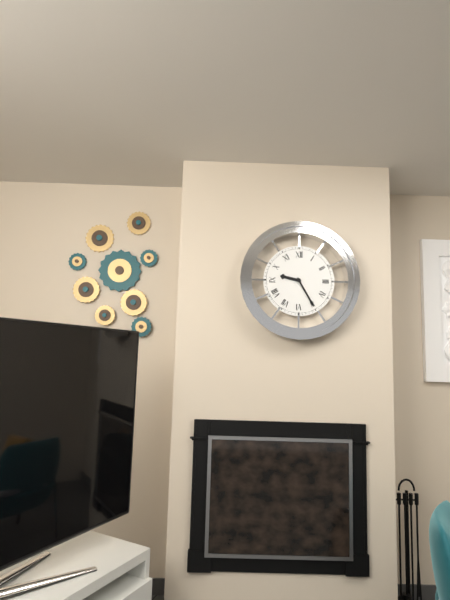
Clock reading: 9.25
